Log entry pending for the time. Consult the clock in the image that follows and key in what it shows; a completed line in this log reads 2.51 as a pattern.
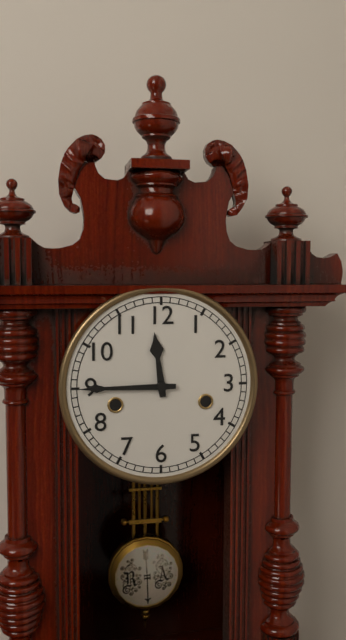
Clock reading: 11.45
